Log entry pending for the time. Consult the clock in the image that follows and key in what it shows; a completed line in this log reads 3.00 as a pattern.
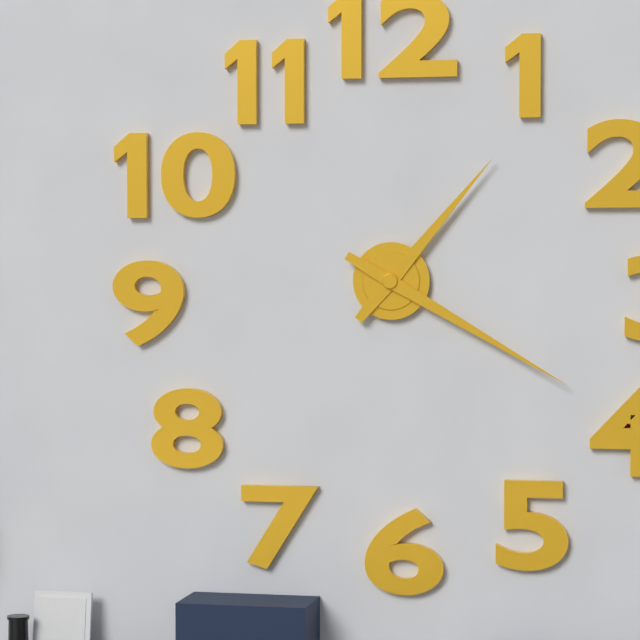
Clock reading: 1.20
